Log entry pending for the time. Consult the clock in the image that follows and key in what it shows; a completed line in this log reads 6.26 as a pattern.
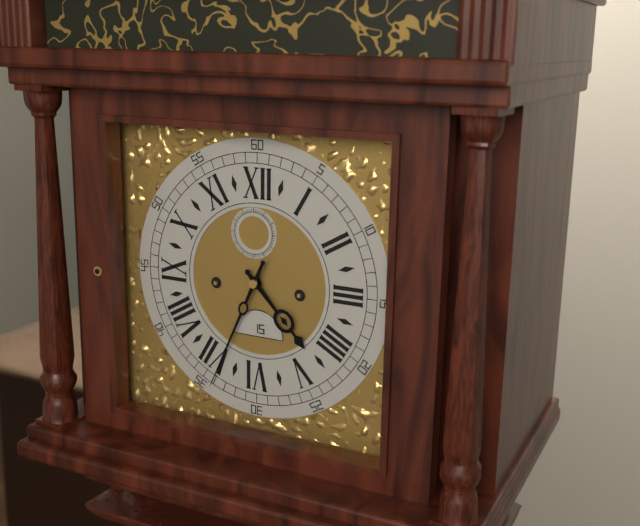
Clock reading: 4.34
